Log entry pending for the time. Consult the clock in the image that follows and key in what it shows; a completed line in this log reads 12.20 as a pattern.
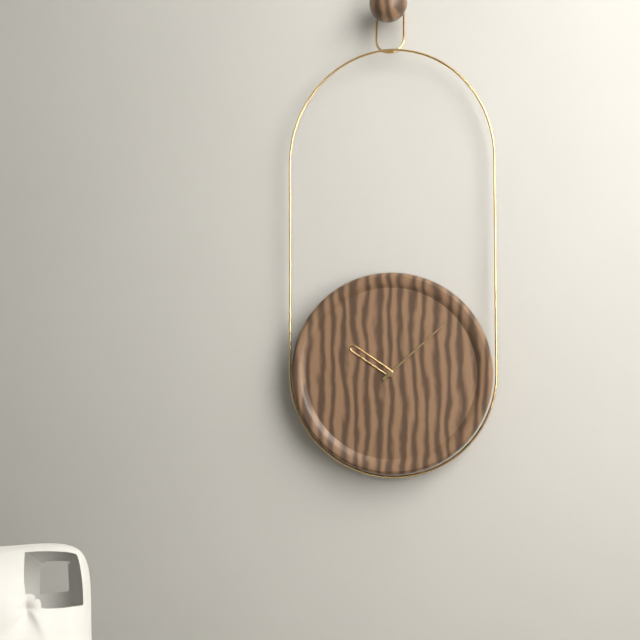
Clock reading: 10.08
